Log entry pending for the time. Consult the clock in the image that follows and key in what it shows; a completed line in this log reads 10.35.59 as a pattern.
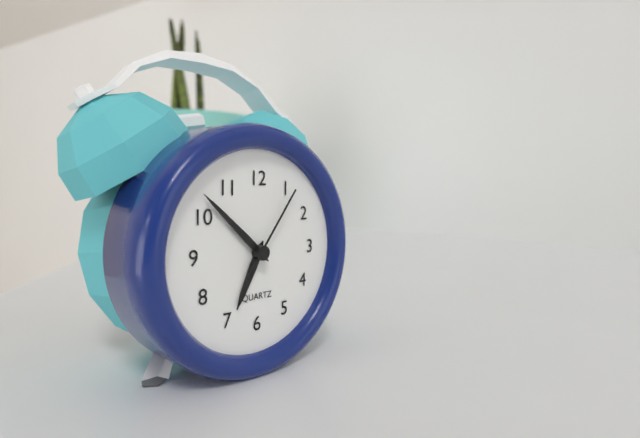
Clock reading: 6.52.06
